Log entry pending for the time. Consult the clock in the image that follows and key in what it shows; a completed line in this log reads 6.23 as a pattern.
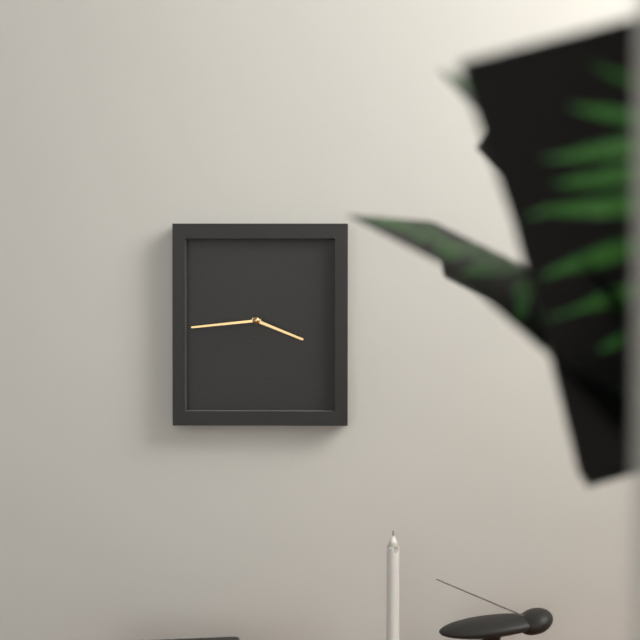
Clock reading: 3.44
